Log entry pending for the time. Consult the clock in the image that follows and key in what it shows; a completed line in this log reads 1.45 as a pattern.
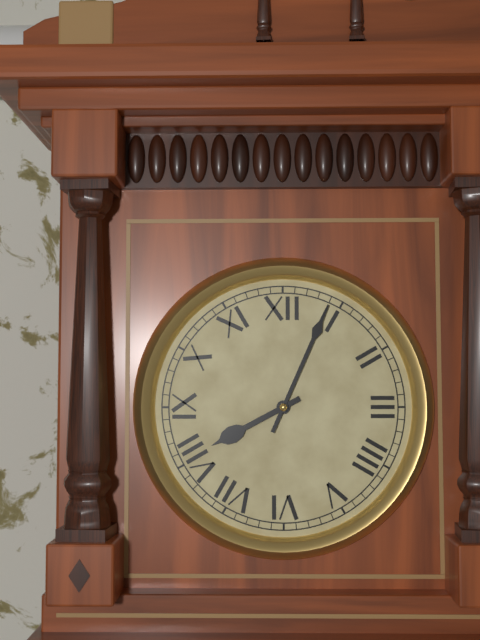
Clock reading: 8.04
